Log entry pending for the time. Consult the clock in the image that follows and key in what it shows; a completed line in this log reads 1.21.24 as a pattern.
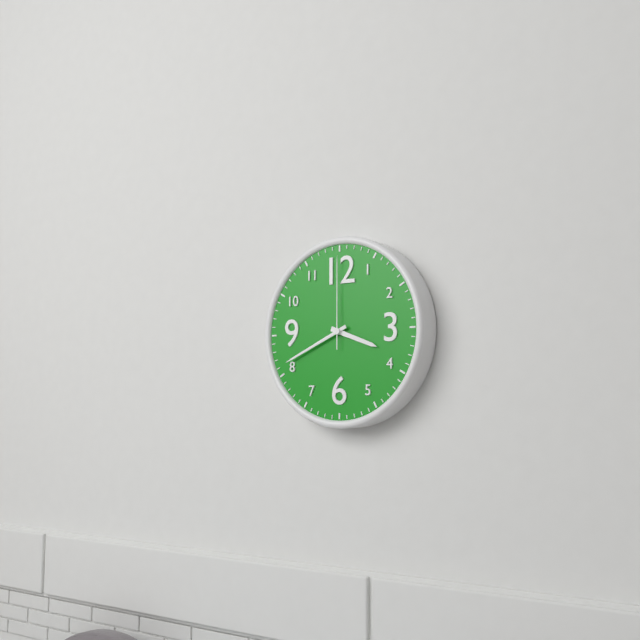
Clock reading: 3.41.00
